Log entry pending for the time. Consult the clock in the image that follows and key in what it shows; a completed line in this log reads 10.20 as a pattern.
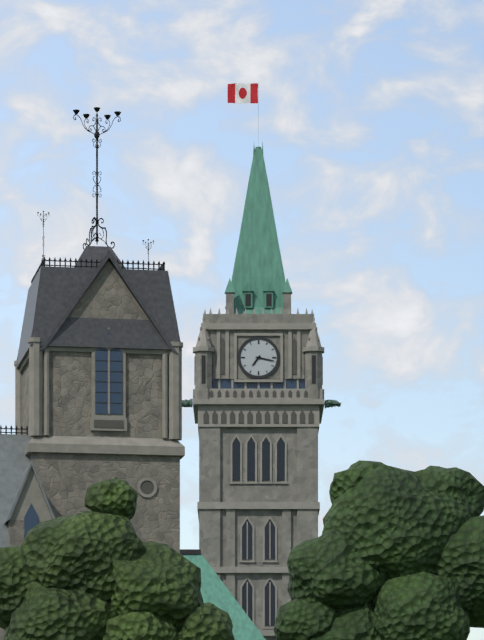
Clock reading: 7.17
